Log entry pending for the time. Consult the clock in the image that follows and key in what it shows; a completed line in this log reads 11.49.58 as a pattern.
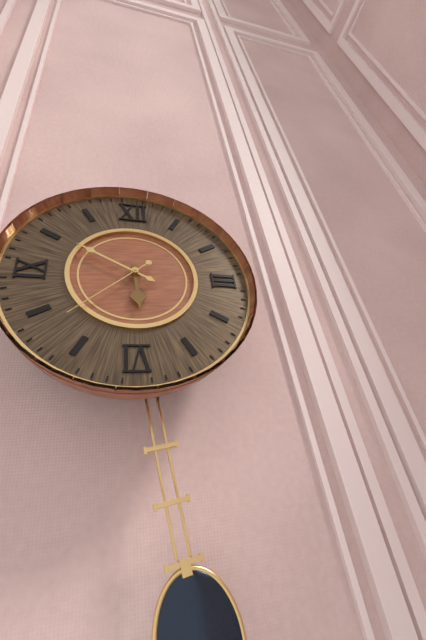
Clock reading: 5.50.38
